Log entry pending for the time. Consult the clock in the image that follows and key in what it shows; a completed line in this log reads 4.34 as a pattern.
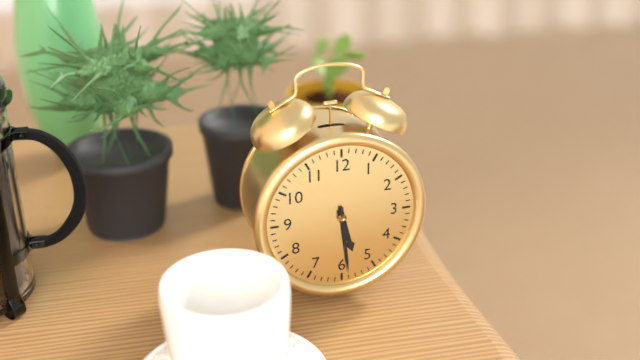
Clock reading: 5.29
